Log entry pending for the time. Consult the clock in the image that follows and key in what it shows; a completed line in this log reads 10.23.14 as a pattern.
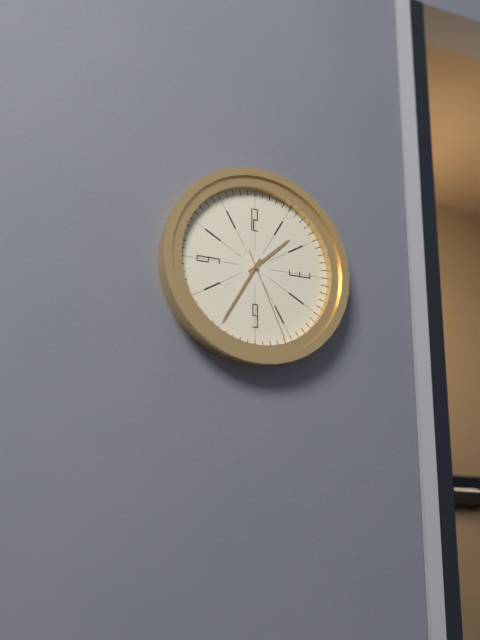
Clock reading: 1.35.26
